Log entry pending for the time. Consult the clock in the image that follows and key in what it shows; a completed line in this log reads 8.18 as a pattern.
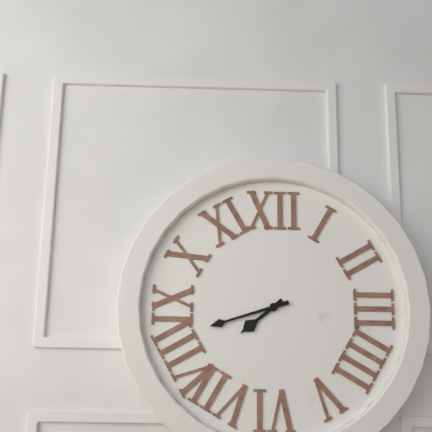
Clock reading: 7.42
